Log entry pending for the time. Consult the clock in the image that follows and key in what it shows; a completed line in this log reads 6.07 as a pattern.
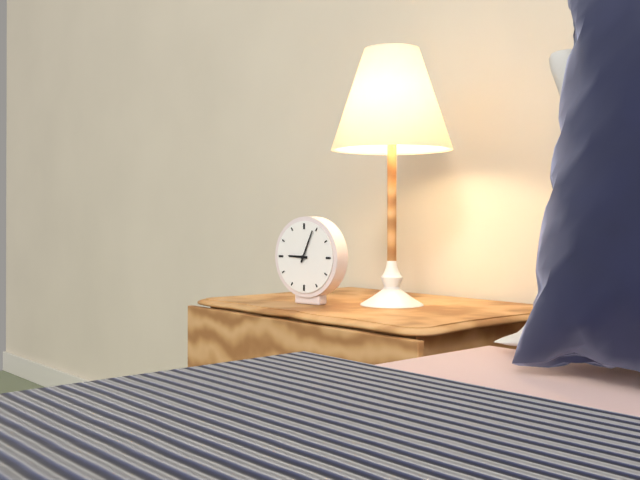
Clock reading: 9.04
